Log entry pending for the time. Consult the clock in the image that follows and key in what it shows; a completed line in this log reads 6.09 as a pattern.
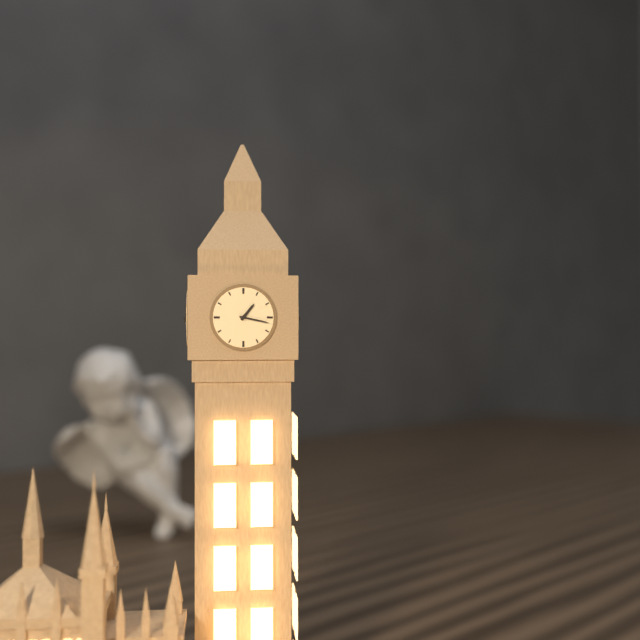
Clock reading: 1.17
